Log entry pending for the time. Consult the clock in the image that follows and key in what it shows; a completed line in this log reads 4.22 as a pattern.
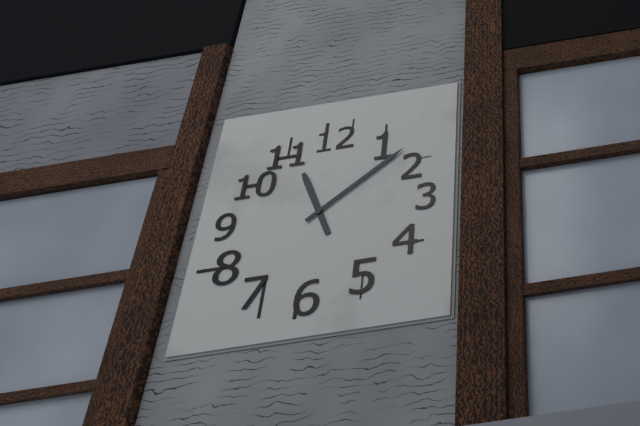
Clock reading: 11.09
